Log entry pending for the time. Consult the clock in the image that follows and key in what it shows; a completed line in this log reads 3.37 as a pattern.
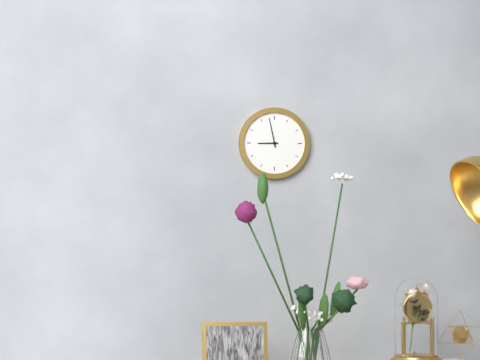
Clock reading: 8.58
